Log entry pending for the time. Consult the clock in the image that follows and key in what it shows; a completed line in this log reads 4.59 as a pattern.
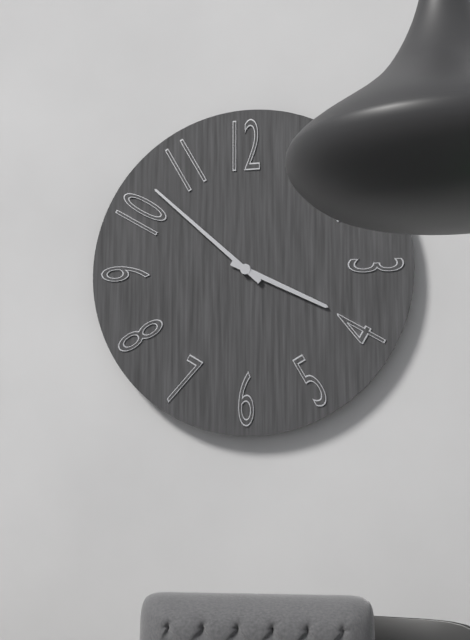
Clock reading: 3.52
